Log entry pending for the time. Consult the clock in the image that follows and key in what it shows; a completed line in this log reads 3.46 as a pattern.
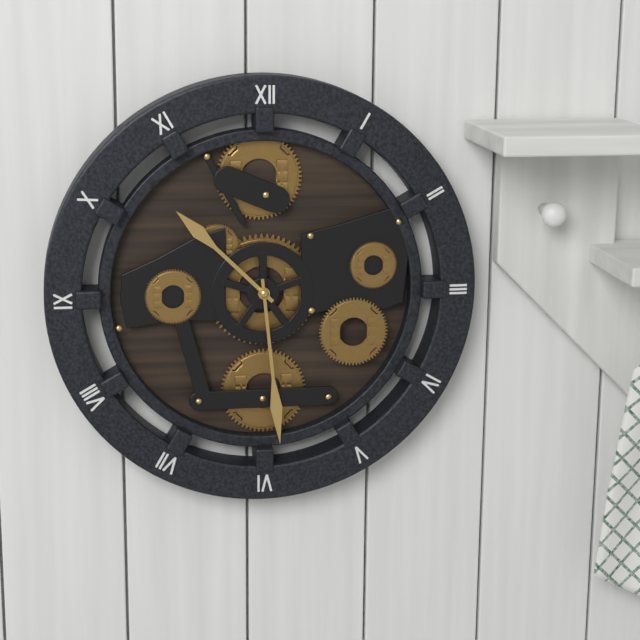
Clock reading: 10.29
